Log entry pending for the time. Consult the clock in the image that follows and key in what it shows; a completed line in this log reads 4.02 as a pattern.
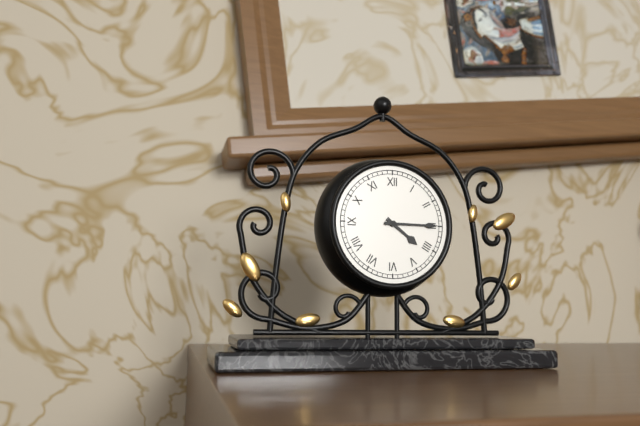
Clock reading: 4.15
